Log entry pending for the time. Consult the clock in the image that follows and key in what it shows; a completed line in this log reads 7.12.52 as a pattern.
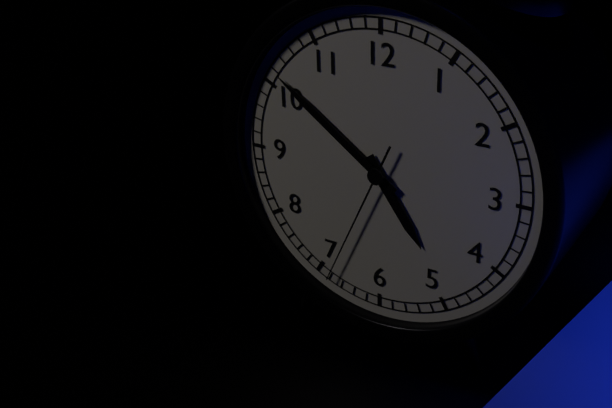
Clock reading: 4.51.34
